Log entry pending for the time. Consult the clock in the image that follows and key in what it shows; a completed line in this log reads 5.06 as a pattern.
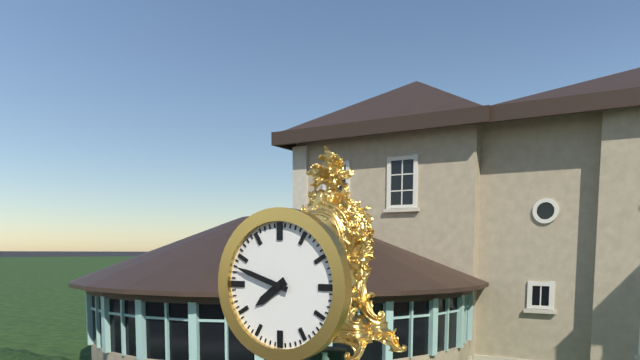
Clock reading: 7.48
